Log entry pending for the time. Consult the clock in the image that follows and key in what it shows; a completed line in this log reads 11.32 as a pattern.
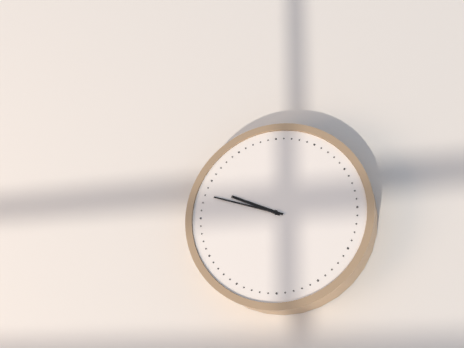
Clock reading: 9.48
